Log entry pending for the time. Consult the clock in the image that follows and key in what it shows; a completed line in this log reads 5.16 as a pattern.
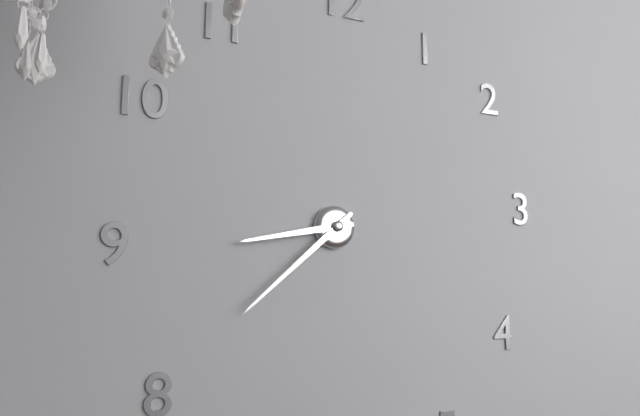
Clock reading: 8.38
